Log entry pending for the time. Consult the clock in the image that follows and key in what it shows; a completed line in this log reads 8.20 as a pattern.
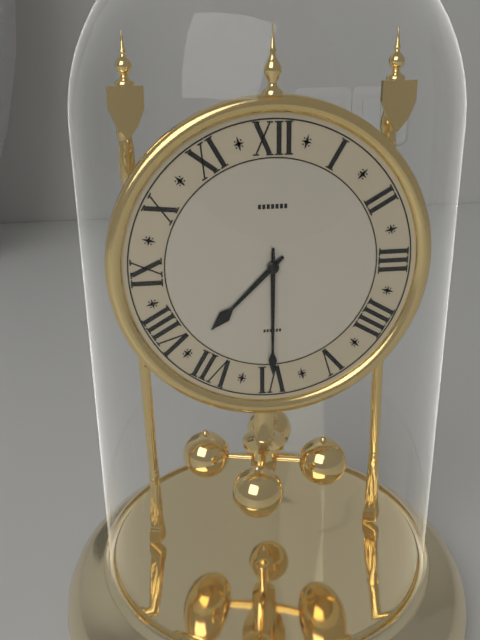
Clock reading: 7.30
